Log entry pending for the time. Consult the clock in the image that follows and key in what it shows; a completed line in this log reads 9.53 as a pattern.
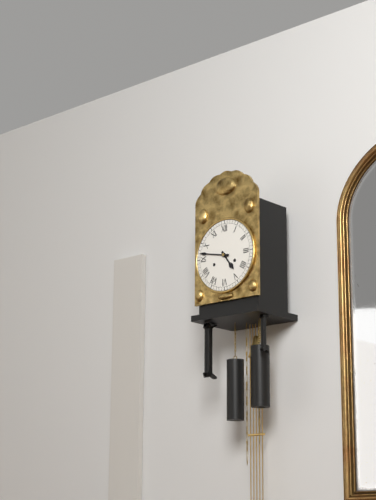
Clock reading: 4.47
